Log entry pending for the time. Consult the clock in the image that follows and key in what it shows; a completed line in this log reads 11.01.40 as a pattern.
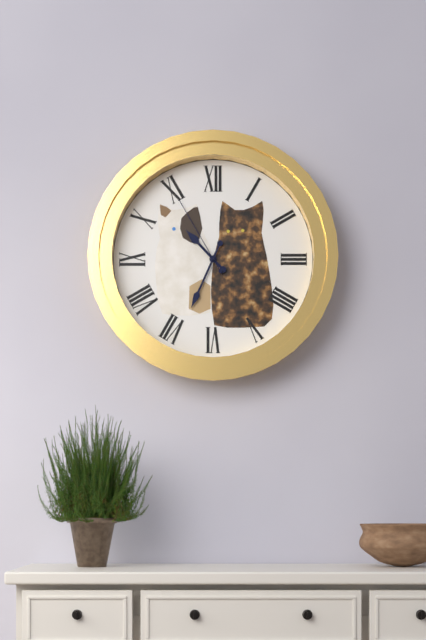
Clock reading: 10.34.55
